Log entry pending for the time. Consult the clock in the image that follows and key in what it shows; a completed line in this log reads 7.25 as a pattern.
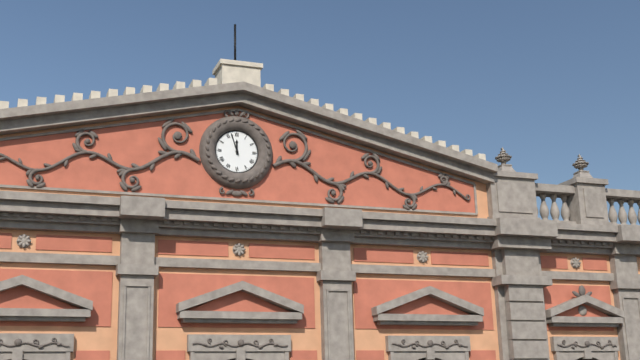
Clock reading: 11.57
